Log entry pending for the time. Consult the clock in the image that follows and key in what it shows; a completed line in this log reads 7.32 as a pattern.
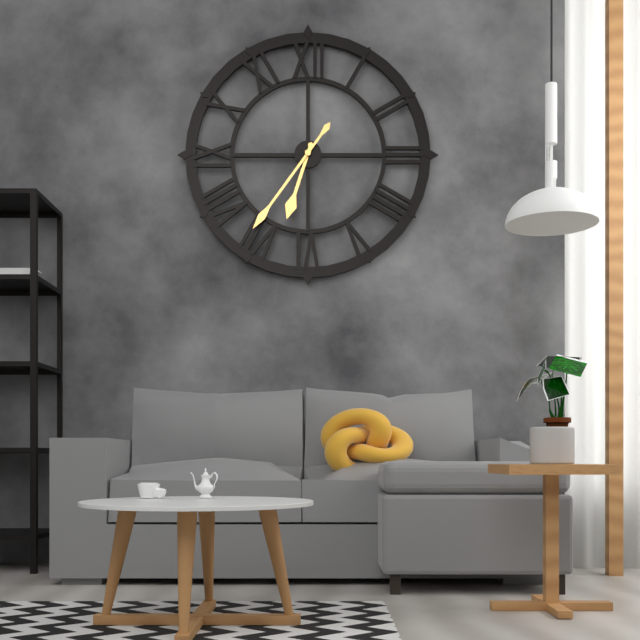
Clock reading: 6.36
